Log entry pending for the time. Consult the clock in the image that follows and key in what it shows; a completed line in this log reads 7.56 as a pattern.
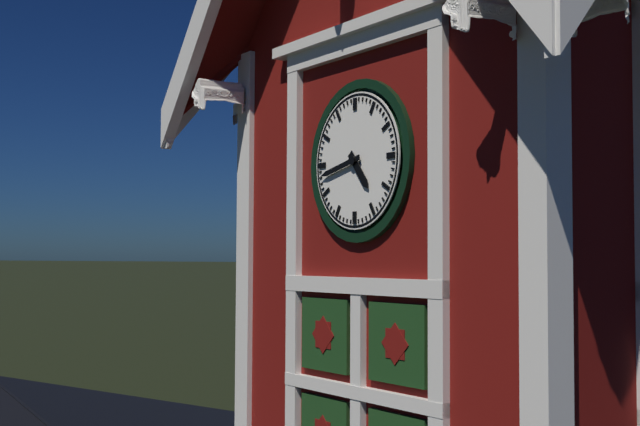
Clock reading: 4.43
